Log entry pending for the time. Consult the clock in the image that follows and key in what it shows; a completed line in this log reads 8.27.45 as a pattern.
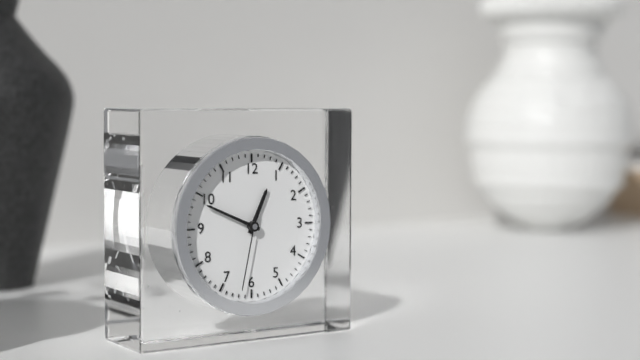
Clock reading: 12.49.32
